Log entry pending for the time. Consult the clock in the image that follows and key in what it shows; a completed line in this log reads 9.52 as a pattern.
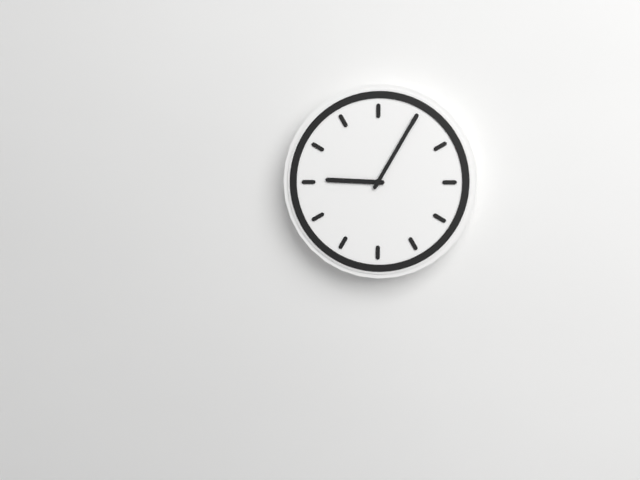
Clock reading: 9.05
